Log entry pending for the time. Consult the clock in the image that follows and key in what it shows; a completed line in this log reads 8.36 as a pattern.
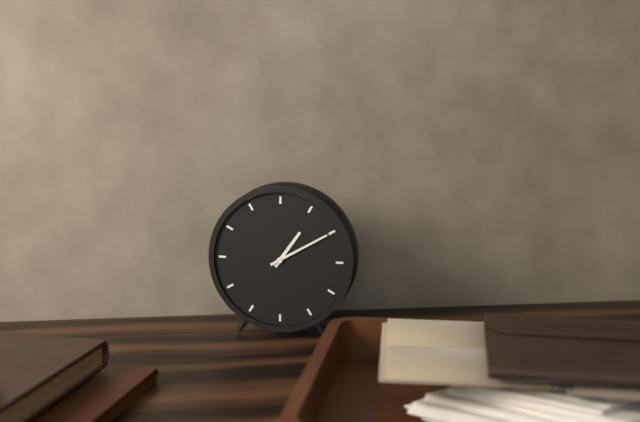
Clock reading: 1.10
